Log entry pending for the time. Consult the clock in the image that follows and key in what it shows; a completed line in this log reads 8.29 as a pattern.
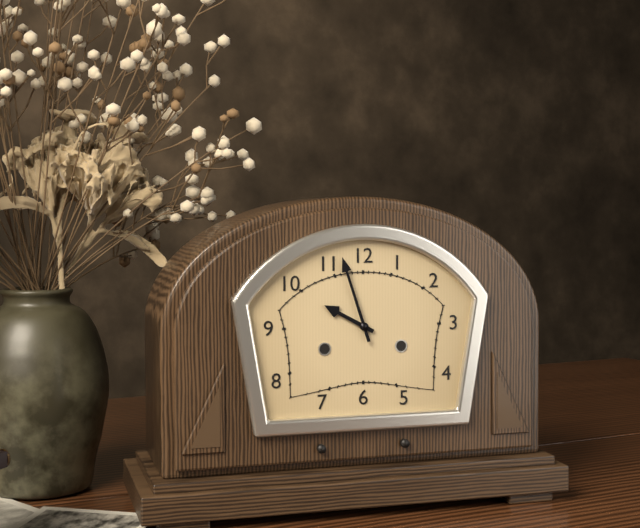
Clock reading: 9.57
